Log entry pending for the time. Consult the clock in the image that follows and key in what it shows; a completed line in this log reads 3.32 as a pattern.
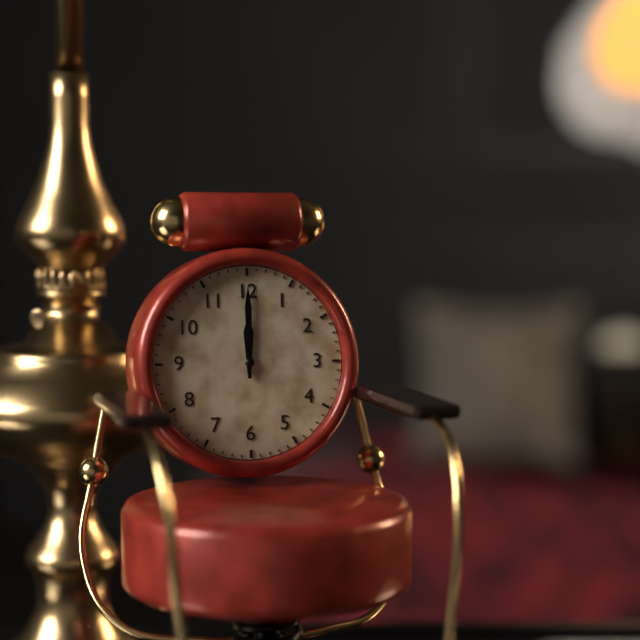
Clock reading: 12.00
